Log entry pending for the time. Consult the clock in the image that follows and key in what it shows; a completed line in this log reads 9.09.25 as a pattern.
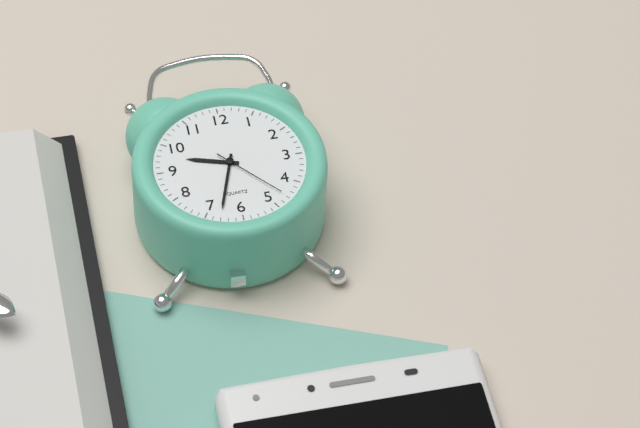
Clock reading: 9.33.23
